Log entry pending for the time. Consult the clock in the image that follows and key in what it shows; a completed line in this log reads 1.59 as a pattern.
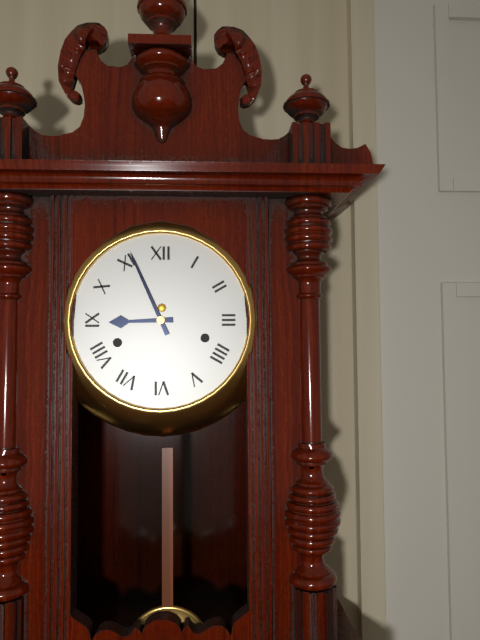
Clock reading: 8.56
